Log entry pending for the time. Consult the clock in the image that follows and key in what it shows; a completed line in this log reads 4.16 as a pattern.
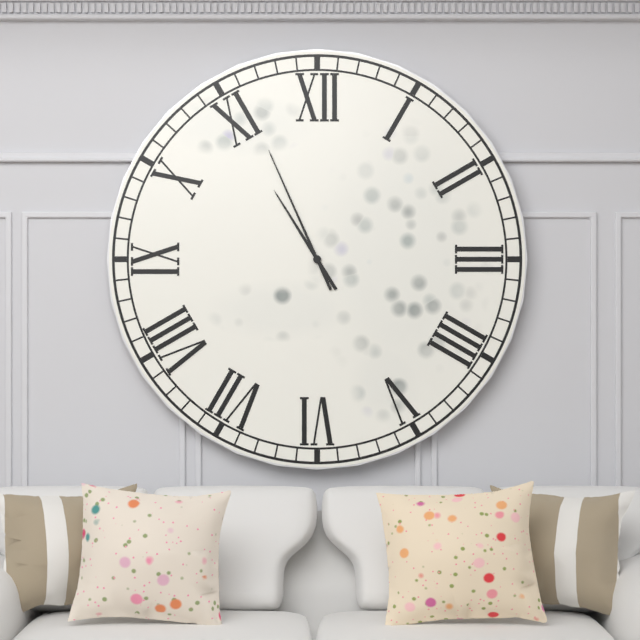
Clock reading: 10.56
